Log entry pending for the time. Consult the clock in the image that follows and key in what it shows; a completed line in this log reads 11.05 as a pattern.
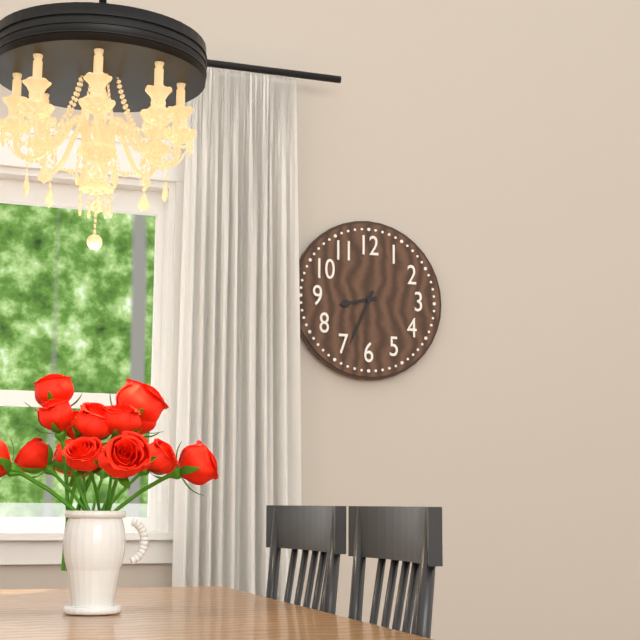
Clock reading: 8.34
